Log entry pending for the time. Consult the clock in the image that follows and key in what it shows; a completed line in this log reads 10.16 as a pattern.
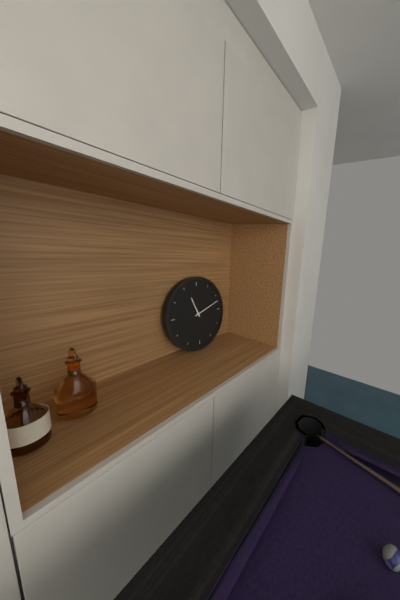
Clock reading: 11.12
